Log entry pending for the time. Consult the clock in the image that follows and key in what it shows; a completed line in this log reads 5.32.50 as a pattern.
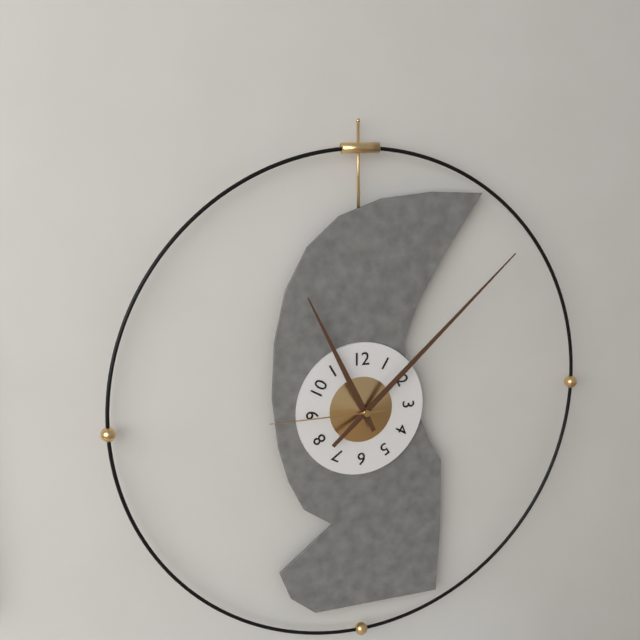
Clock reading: 11.08.45
